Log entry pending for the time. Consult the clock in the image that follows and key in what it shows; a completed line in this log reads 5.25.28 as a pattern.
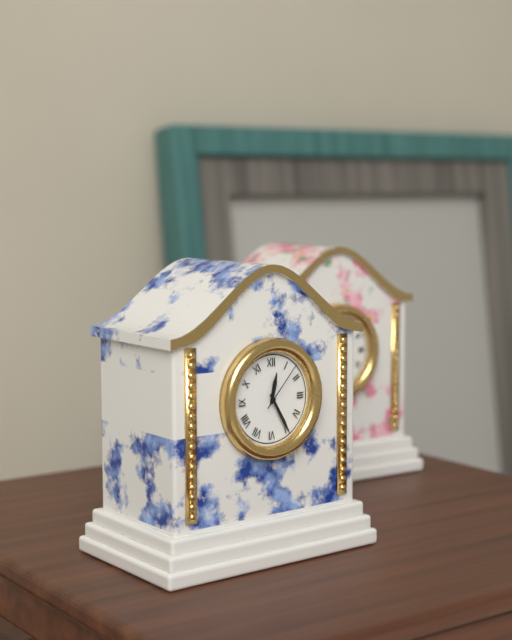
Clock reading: 12.25.07
